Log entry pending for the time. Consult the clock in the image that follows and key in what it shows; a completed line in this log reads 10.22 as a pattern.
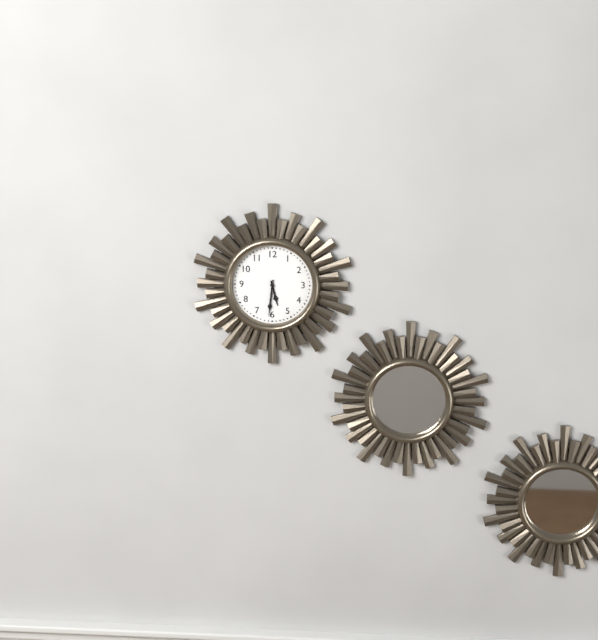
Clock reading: 5.31
